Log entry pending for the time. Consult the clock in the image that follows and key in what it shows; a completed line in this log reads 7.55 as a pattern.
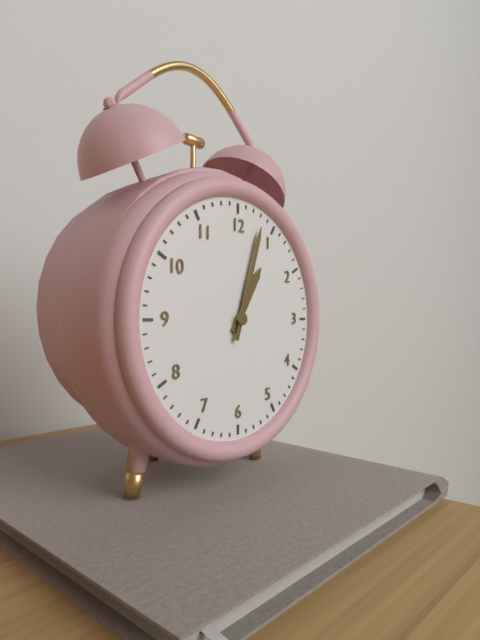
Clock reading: 1.03
